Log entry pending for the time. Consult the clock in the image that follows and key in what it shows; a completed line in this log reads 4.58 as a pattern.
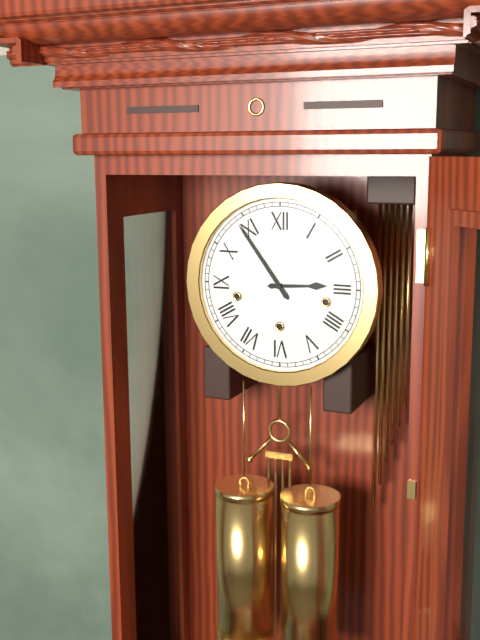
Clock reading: 2.54
